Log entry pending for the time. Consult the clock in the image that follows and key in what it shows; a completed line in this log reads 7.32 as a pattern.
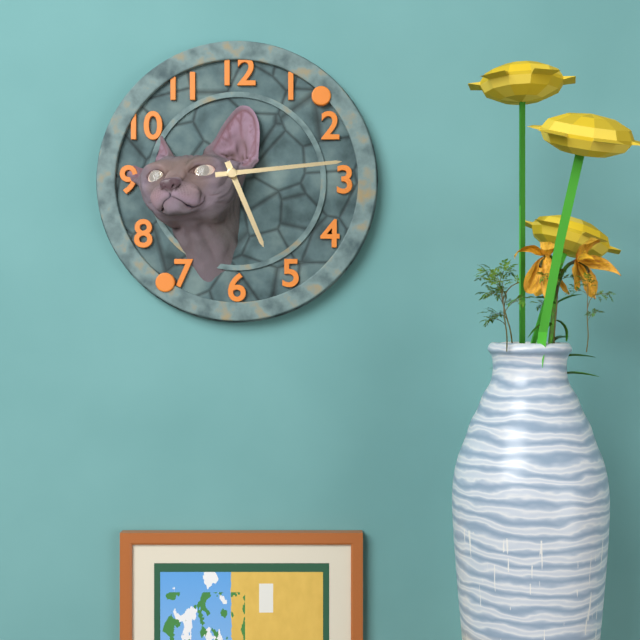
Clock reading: 5.14
